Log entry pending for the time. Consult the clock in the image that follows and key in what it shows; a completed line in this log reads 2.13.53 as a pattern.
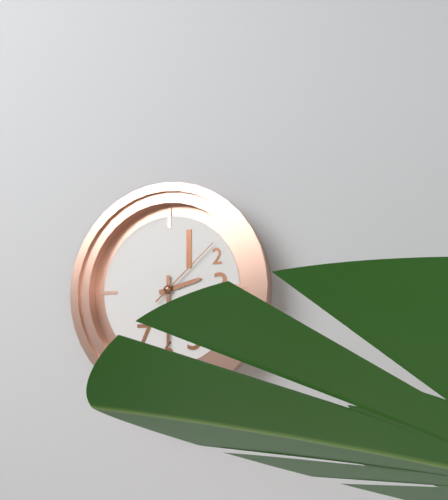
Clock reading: 2.30.08
